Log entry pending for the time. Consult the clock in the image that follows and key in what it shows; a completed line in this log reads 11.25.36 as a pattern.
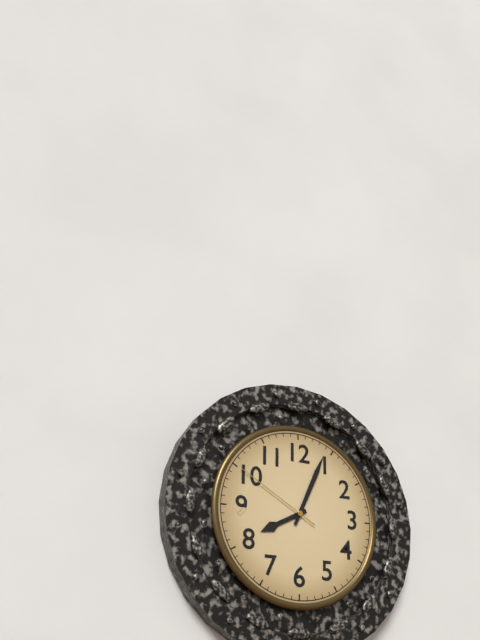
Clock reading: 8.04.50
